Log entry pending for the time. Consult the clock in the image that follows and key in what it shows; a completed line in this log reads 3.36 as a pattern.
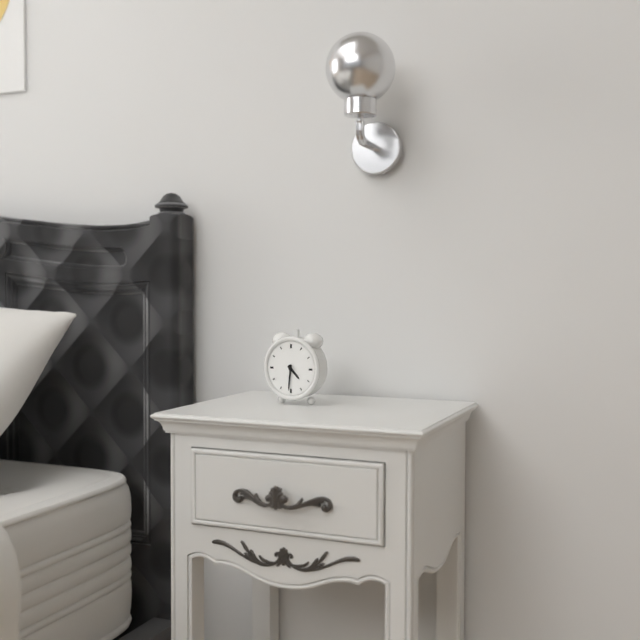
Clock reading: 4.31
